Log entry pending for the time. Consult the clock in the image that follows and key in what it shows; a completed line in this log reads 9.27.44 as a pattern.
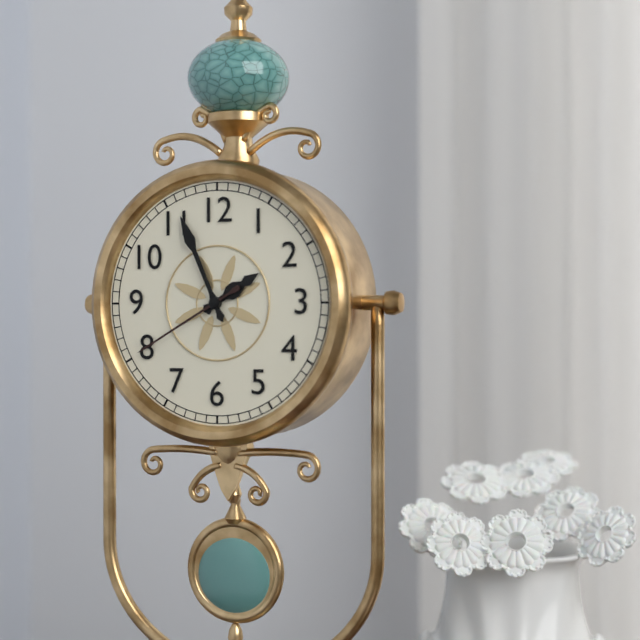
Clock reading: 1.56.40
